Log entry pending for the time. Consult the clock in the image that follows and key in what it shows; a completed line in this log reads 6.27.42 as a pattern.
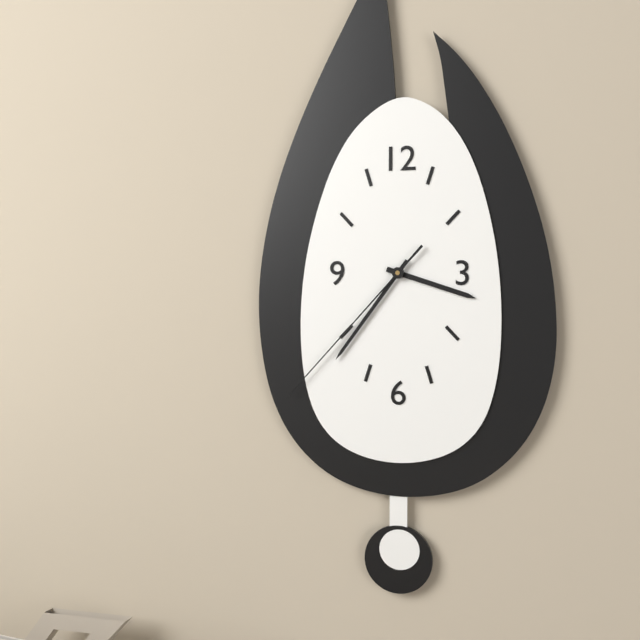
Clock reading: 3.36.37
